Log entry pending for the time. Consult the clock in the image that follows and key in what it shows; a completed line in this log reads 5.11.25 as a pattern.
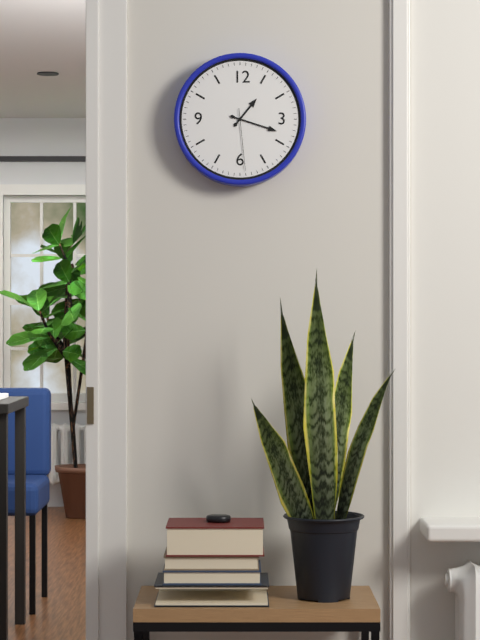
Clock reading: 1.18.29
